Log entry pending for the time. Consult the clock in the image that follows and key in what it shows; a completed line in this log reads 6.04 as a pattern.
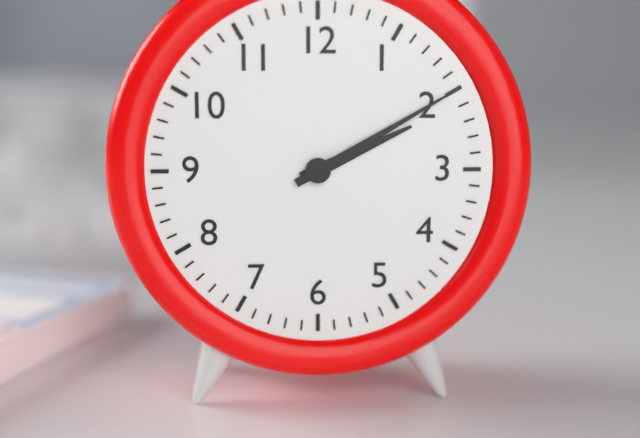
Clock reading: 2.10
